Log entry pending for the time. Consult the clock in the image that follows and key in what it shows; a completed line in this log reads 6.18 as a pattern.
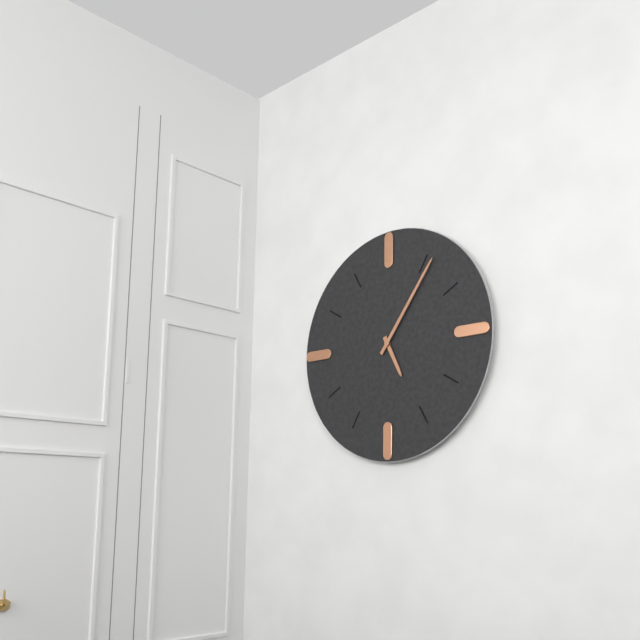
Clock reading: 5.06
